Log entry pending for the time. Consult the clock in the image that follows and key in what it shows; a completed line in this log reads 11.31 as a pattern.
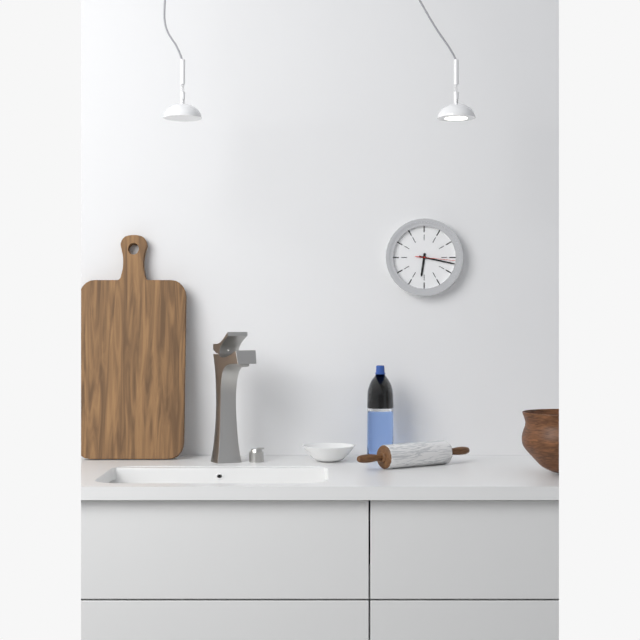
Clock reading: 6.17
